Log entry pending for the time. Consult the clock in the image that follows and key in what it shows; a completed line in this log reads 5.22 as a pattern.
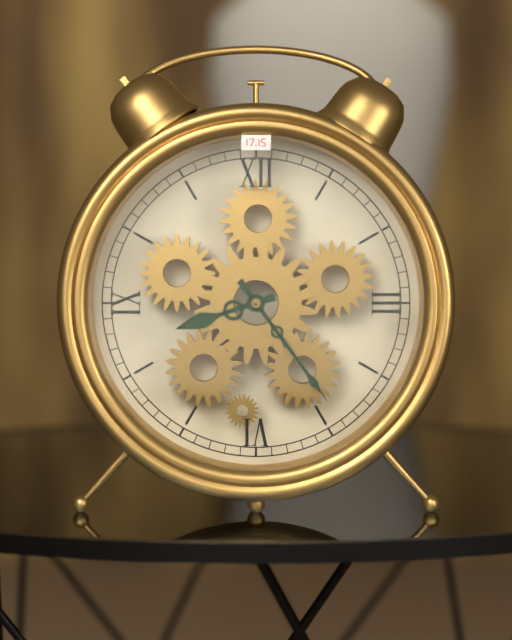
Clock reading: 8.24
